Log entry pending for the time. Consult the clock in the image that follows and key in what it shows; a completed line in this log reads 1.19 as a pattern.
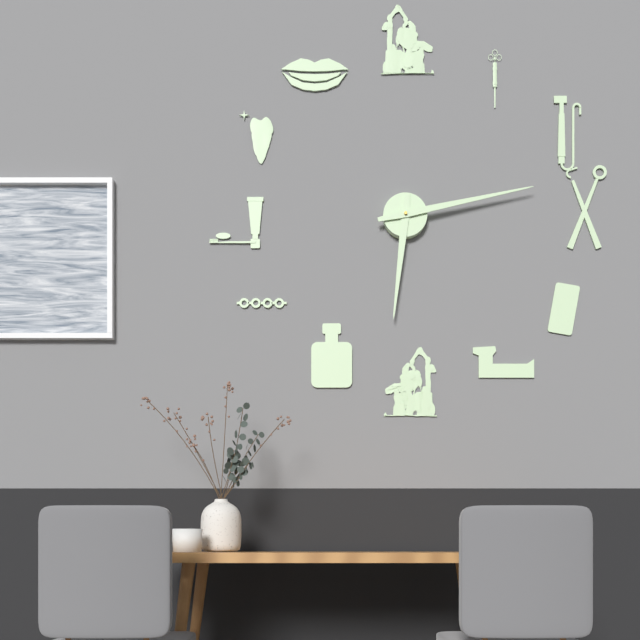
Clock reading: 6.13
